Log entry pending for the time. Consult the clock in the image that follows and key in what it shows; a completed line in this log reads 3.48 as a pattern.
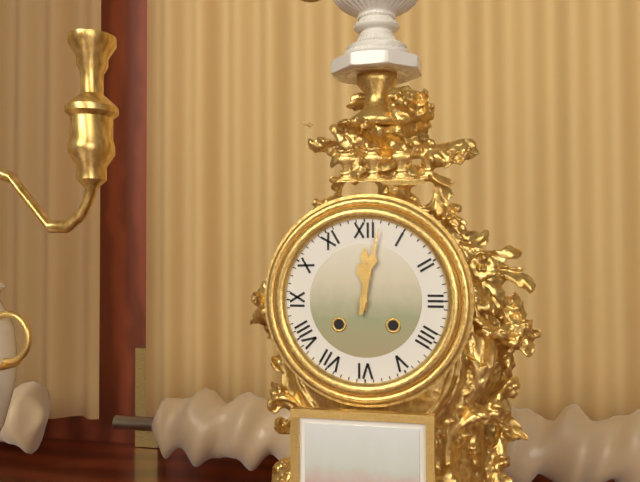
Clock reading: 12.02
